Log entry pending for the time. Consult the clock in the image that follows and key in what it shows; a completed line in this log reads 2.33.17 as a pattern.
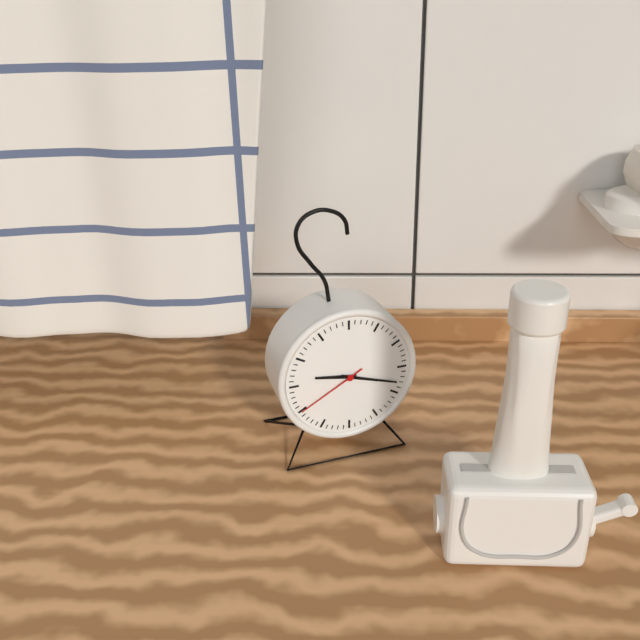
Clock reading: 9.18.40
